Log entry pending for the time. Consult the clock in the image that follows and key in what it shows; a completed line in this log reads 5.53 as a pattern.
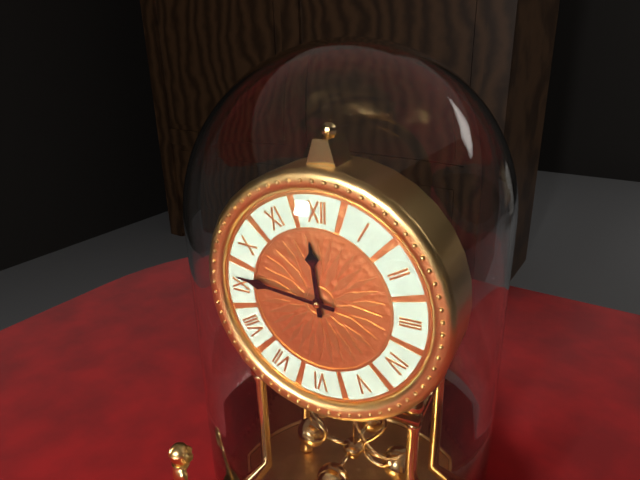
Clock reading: 11.46
